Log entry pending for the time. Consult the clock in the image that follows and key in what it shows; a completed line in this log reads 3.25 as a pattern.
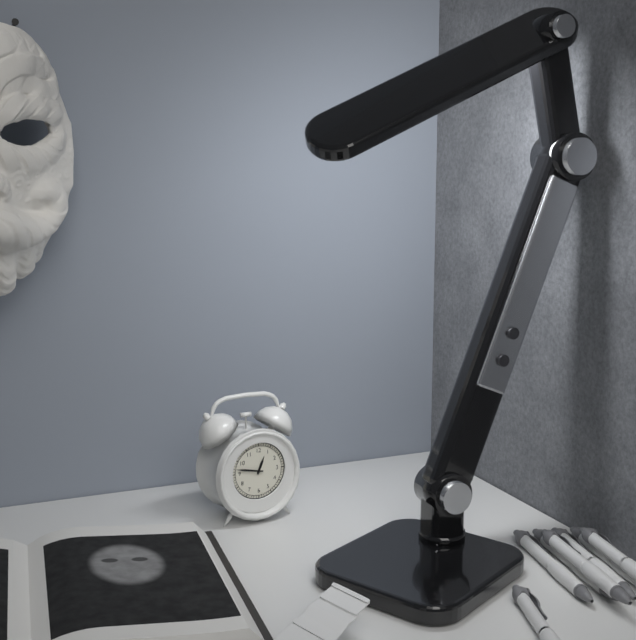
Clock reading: 12.47
